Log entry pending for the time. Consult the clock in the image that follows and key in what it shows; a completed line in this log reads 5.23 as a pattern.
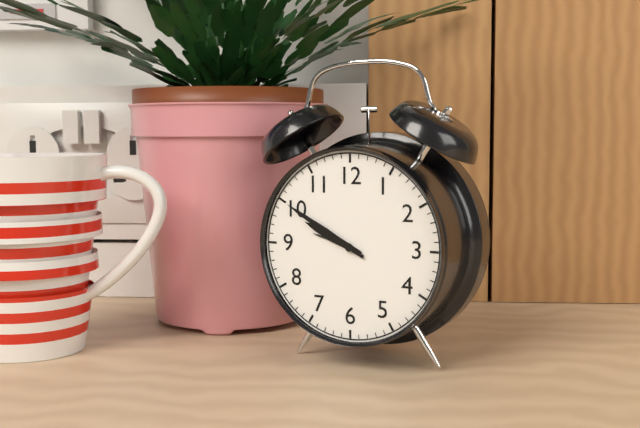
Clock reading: 9.50
